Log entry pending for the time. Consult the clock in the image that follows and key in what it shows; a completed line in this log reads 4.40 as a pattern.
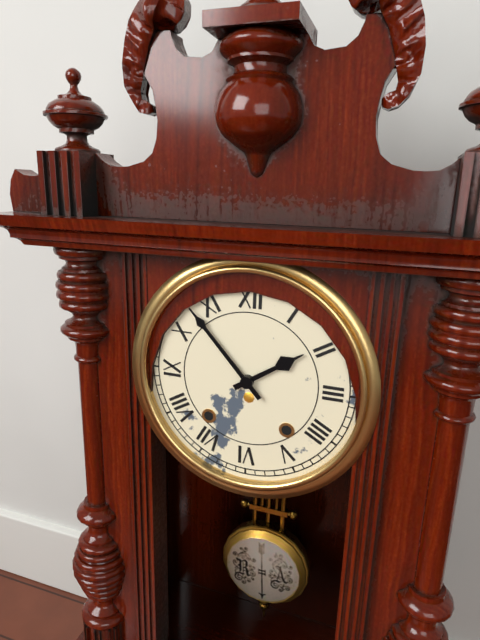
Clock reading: 1.53
